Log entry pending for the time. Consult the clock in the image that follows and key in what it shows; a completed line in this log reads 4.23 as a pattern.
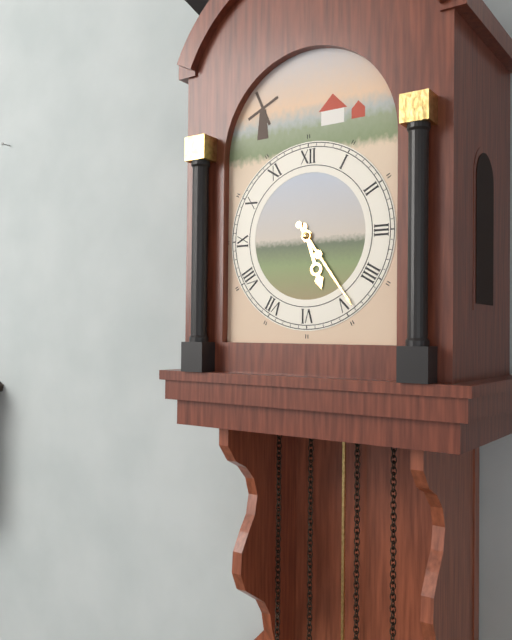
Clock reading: 5.24
